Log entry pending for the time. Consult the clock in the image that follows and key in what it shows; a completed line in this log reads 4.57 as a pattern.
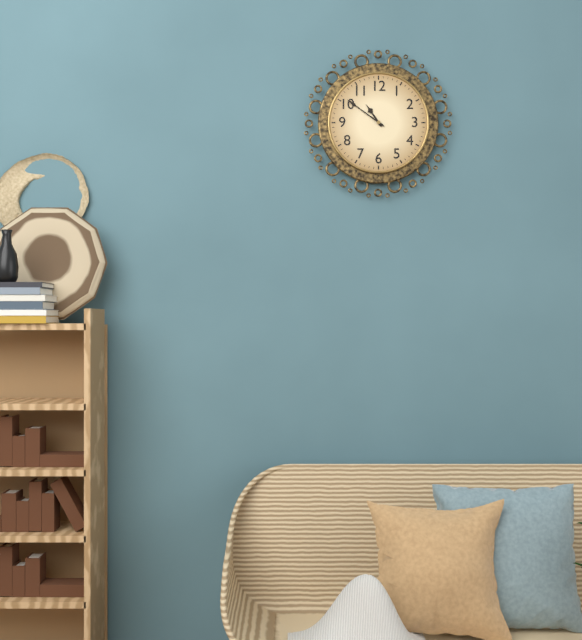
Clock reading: 10.51
